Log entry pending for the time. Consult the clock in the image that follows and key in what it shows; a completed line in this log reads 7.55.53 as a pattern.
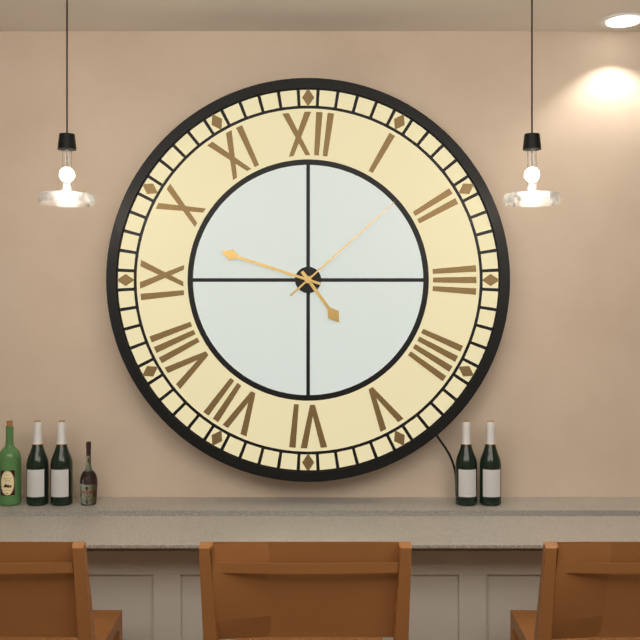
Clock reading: 4.48.08
